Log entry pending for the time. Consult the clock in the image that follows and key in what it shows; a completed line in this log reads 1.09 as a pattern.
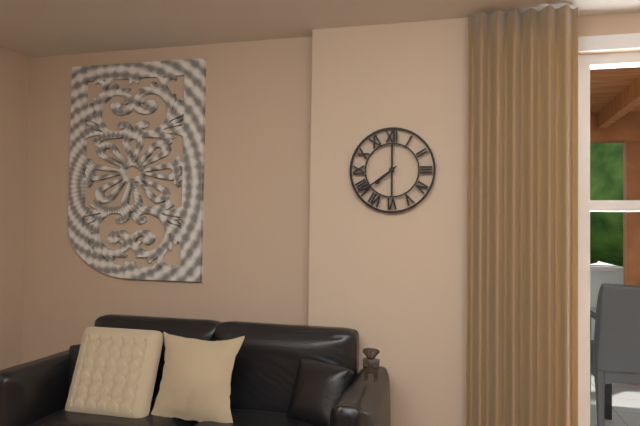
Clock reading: 7.39
